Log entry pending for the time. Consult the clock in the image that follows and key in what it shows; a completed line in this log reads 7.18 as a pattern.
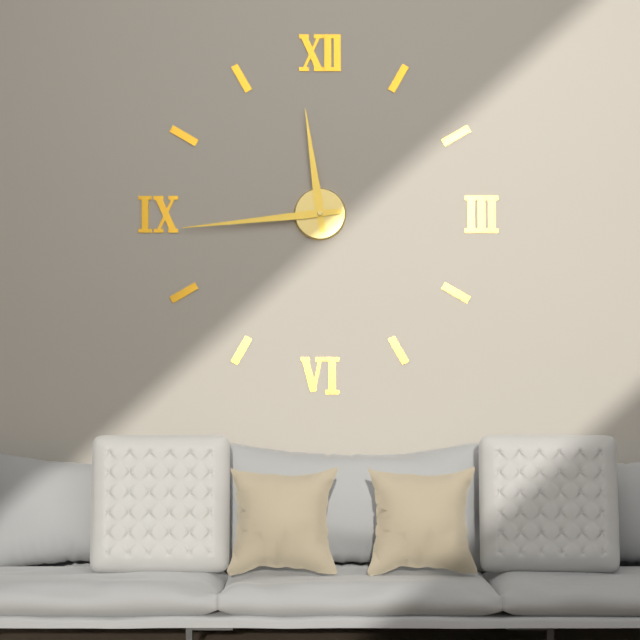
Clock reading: 11.44
